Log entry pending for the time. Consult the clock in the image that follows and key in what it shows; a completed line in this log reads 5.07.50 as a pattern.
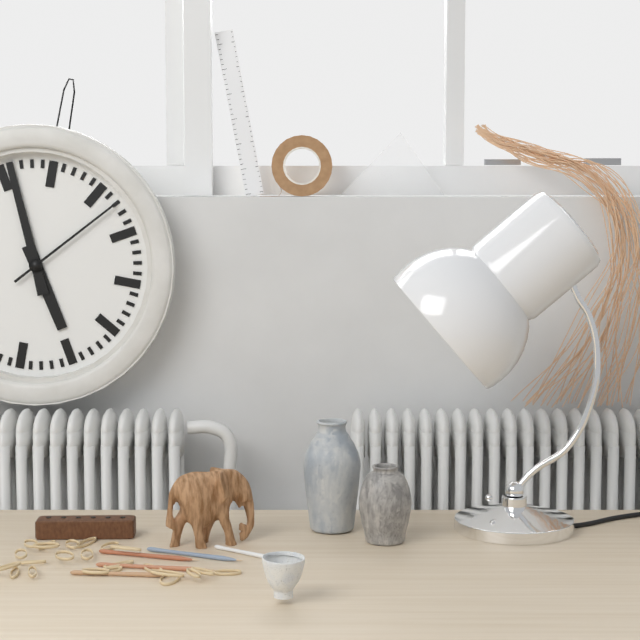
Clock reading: 4.56.07
